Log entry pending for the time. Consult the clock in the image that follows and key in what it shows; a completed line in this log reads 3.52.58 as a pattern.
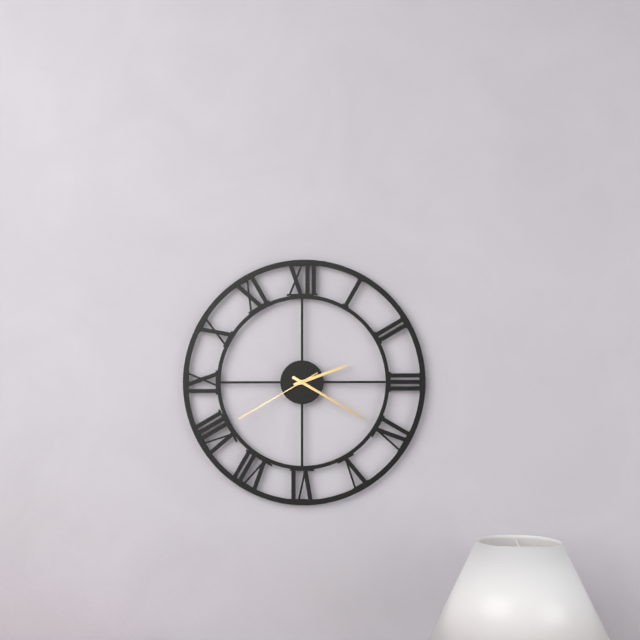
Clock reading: 2.20.40
